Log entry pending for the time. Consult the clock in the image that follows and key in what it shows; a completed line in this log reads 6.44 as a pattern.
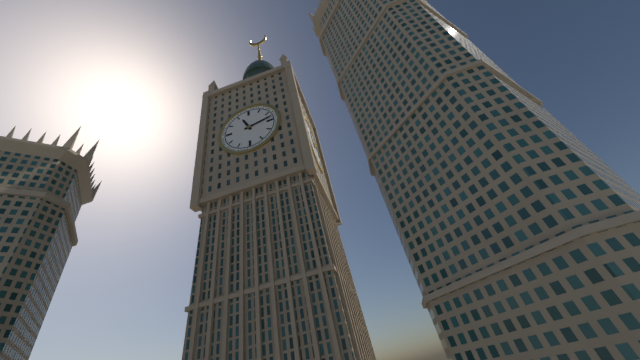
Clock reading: 11.13
